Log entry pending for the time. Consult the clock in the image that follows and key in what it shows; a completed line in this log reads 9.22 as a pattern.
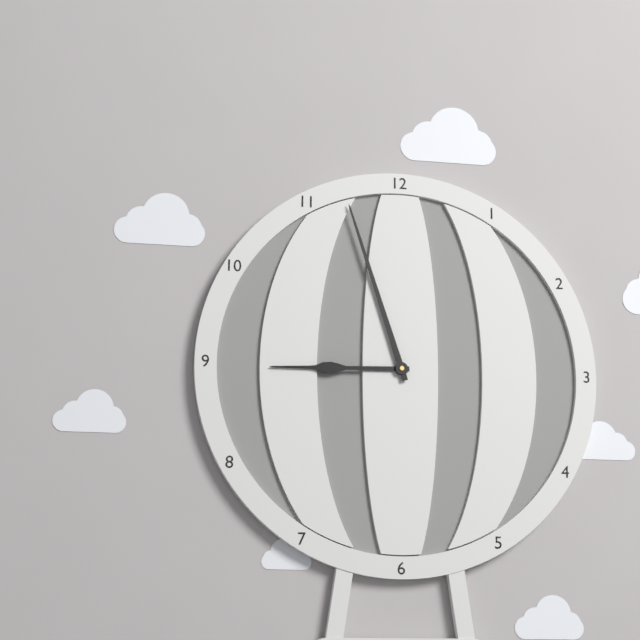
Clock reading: 8.57
